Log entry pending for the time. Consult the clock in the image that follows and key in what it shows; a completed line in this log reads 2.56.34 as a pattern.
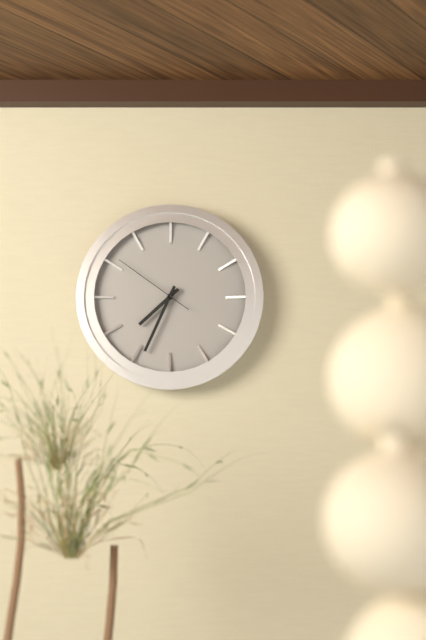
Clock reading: 7.34.51
